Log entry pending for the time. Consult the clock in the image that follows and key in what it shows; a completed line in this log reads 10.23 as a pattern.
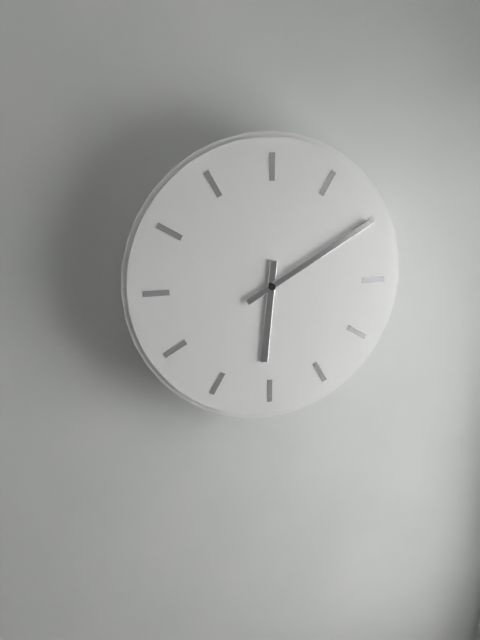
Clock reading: 6.10
